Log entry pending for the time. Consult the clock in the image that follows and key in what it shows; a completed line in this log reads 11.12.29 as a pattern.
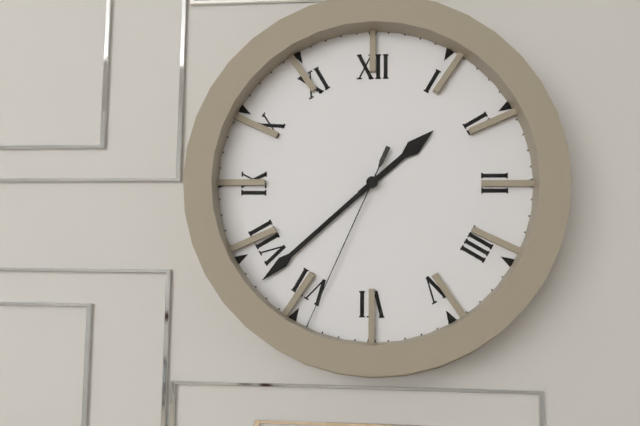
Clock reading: 1.38.34
